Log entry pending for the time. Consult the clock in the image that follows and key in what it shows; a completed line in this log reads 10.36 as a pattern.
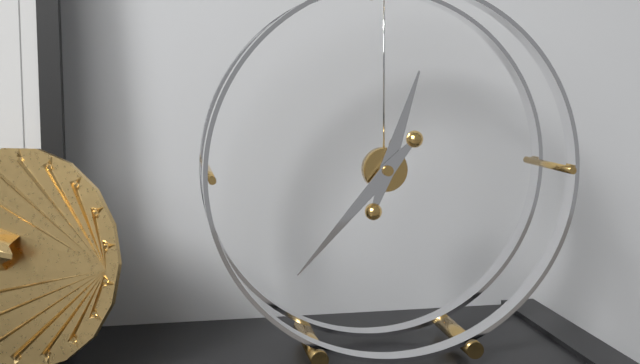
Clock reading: 12.37
